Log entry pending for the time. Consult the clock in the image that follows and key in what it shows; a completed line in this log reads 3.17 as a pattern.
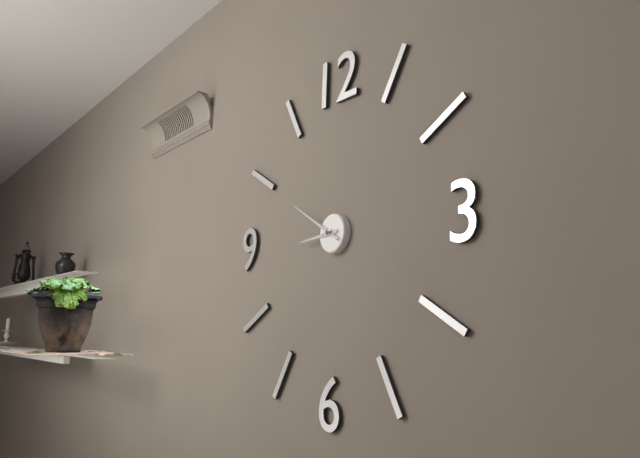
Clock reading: 8.50
